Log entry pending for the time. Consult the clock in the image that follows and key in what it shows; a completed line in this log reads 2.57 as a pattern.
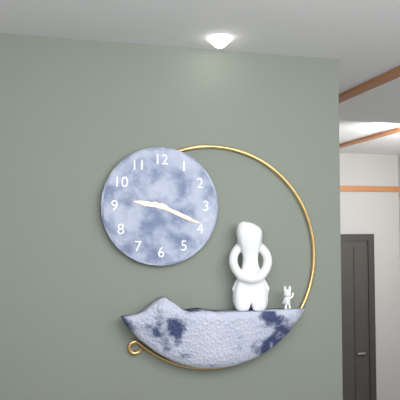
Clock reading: 9.19
